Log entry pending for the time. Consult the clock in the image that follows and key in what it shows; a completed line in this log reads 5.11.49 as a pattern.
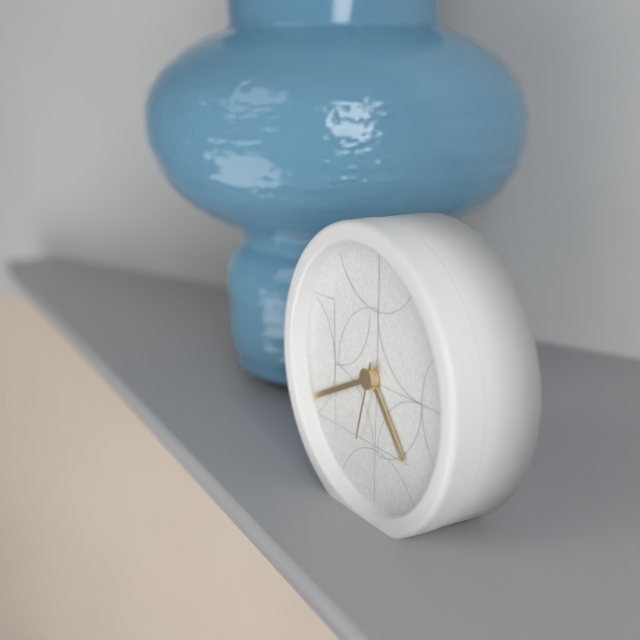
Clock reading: 4.41.33
